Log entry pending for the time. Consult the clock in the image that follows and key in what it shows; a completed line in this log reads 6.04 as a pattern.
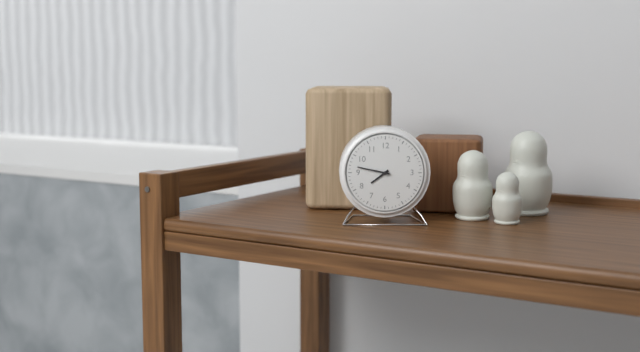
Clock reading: 7.47
